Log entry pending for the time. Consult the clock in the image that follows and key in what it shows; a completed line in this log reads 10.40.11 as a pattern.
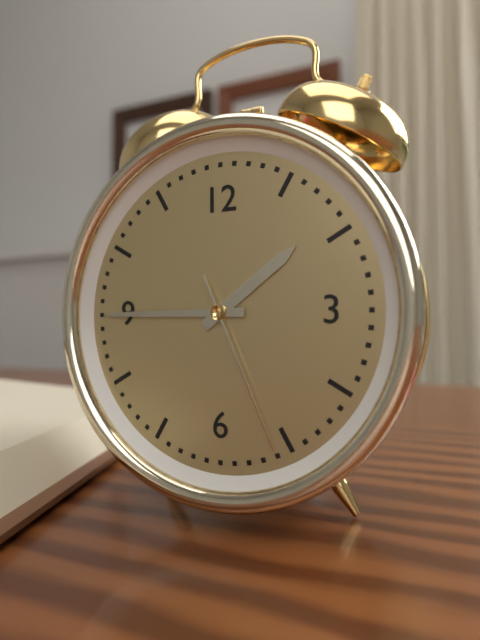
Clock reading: 1.45.26
